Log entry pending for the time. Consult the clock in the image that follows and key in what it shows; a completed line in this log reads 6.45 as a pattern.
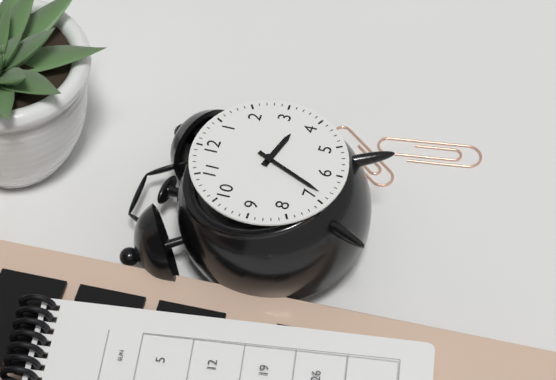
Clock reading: 3.34
